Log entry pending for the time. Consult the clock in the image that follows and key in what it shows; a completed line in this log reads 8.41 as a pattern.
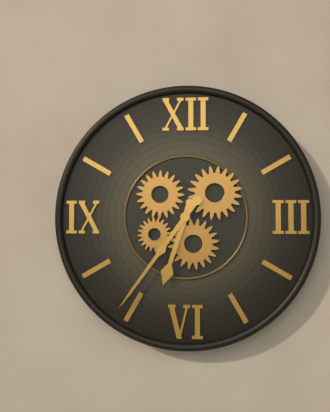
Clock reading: 6.36
